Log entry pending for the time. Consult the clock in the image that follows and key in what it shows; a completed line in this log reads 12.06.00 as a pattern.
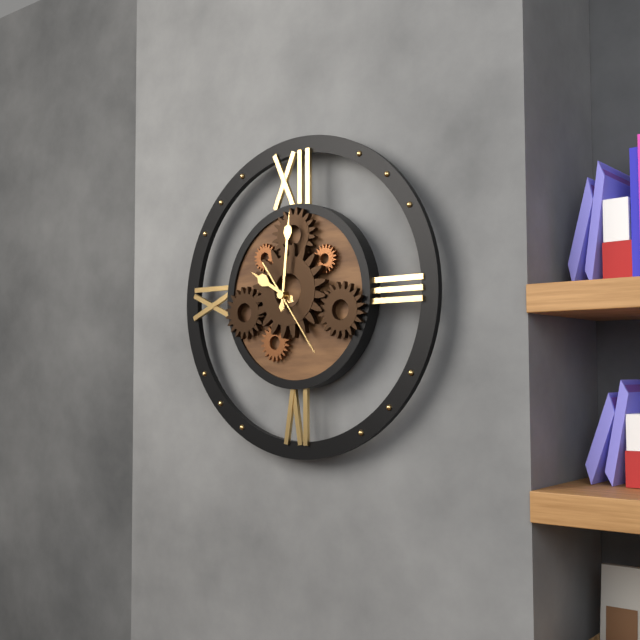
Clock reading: 10.01.24
